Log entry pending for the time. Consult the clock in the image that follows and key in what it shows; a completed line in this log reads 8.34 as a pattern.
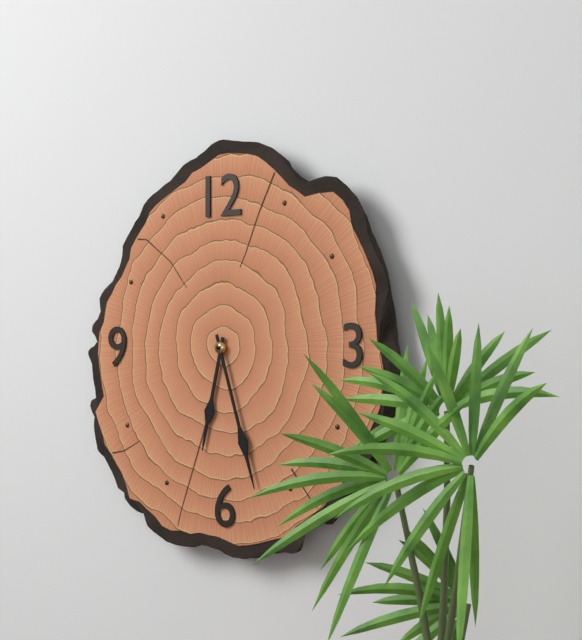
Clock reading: 6.27
